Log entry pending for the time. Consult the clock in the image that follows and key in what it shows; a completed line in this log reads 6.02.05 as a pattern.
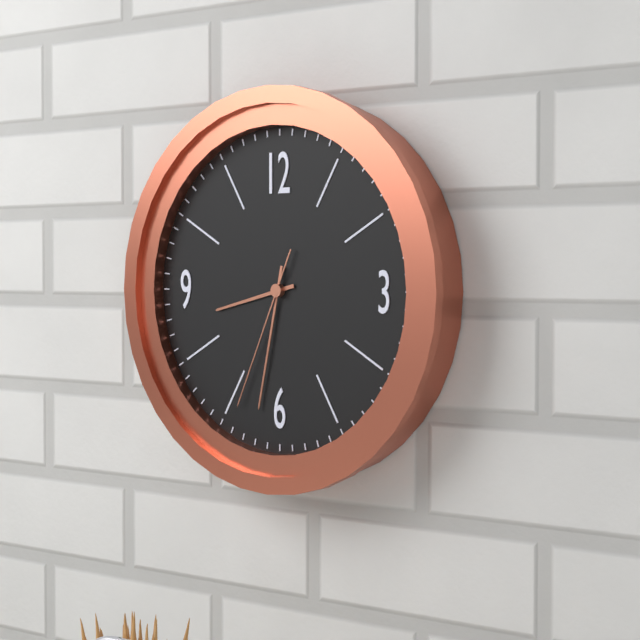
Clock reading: 8.32.34
